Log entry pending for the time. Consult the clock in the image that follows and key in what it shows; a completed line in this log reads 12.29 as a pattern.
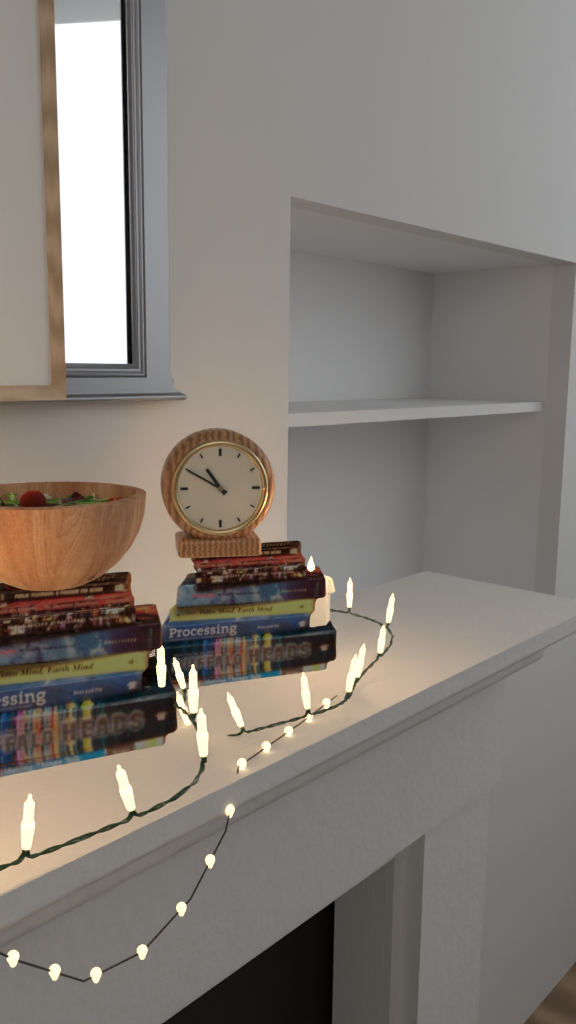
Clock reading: 10.50
